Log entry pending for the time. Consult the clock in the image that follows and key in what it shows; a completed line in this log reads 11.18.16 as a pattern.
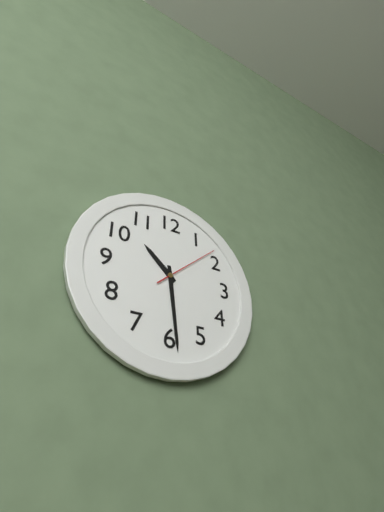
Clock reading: 10.29.08
